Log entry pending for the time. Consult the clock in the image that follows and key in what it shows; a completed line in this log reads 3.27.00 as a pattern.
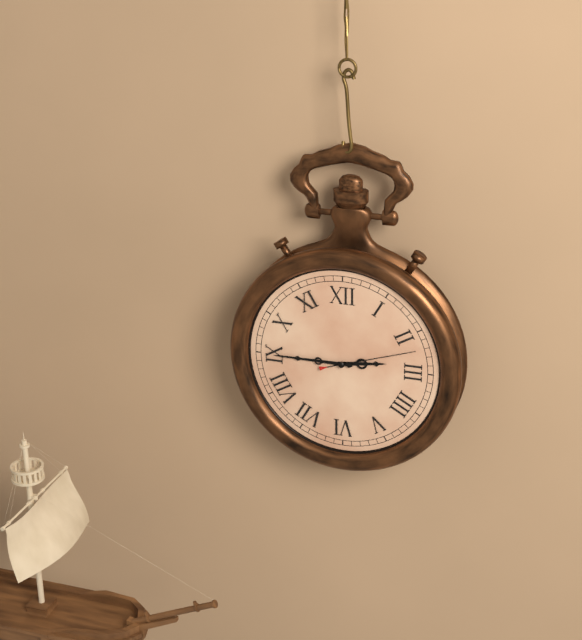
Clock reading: 2.45.12
